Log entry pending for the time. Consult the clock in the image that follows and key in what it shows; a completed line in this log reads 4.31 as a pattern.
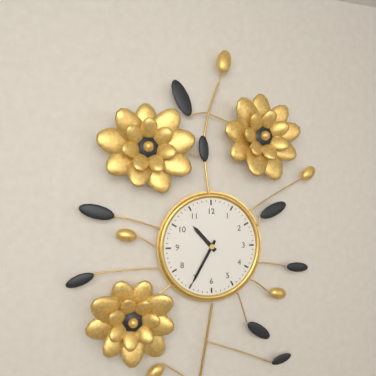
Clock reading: 10.35
